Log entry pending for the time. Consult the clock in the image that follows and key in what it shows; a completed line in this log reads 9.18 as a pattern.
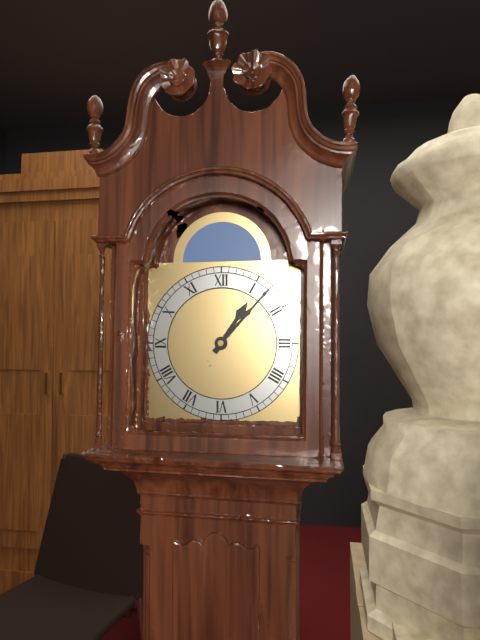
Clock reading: 1.07
